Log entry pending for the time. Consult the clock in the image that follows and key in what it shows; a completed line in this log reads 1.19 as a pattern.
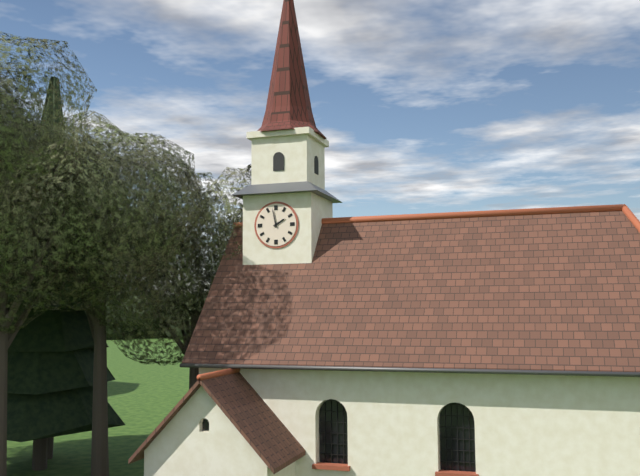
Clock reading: 1.58
